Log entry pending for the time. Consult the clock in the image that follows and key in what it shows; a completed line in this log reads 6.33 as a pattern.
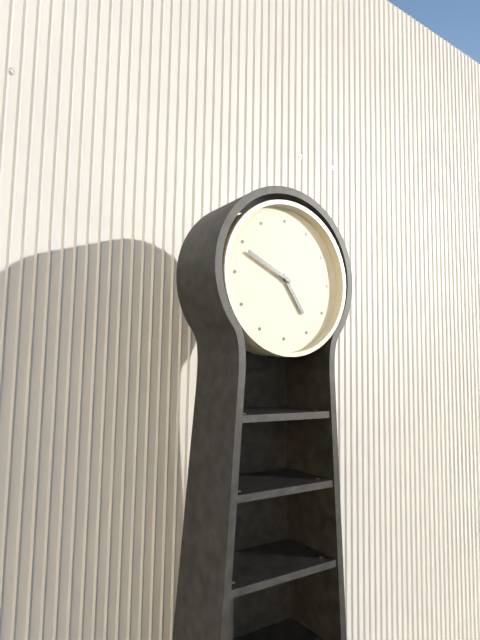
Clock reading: 4.49
